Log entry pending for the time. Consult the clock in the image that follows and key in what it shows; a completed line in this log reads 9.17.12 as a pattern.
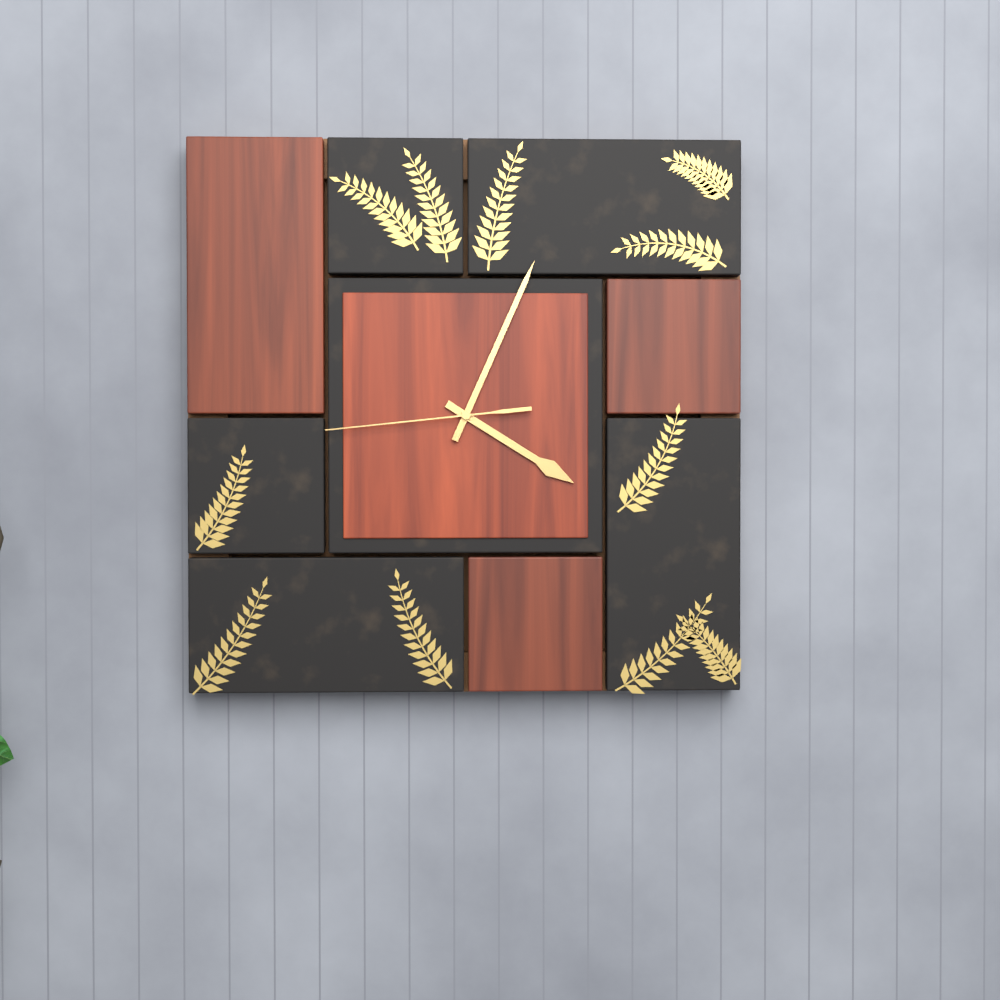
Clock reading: 4.04.44
